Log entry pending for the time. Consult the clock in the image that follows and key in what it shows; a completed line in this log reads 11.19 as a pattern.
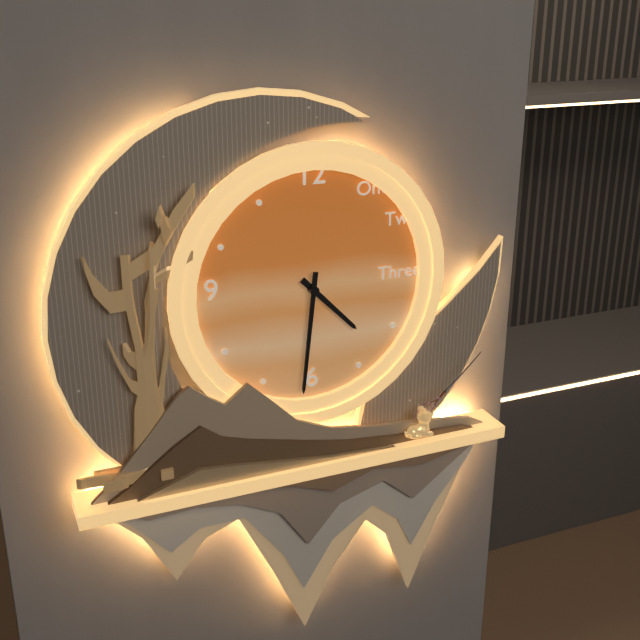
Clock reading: 4.31
